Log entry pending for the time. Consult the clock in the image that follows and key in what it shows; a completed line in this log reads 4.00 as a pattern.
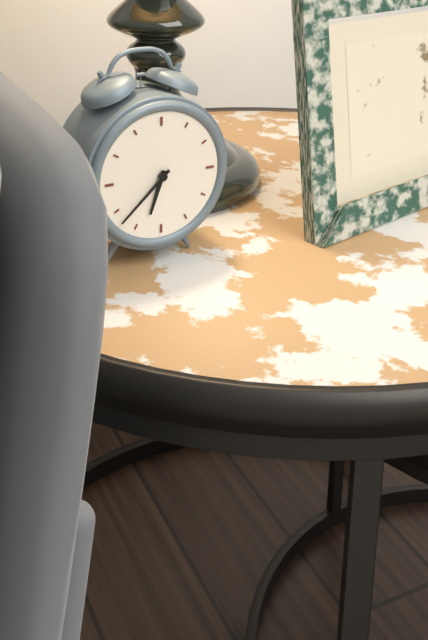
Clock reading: 6.38
